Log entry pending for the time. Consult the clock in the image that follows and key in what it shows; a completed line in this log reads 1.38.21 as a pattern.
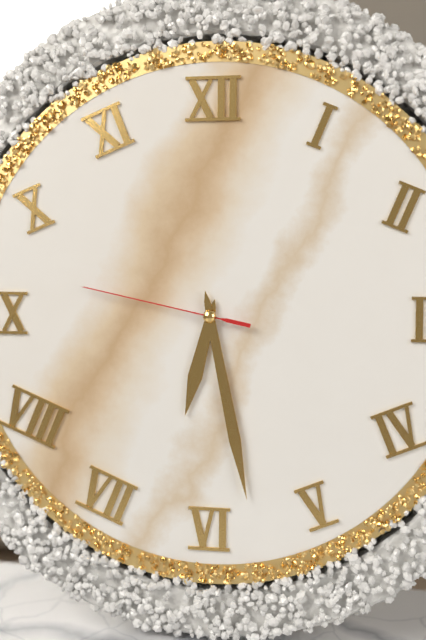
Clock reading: 6.28.47
